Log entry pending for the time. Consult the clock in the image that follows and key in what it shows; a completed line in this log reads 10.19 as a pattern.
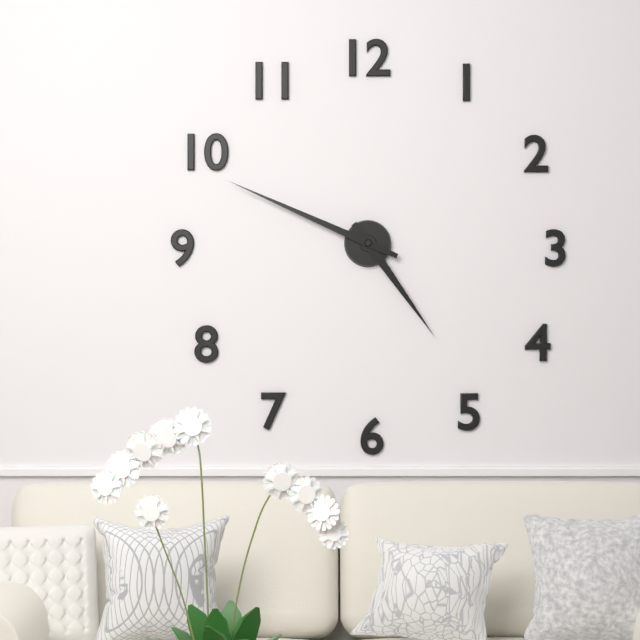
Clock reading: 4.49
